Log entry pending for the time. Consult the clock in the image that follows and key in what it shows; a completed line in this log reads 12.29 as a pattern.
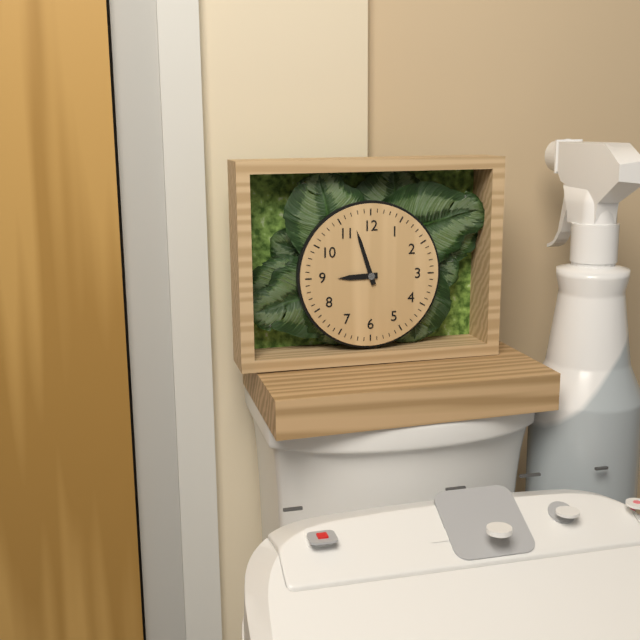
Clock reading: 8.57
